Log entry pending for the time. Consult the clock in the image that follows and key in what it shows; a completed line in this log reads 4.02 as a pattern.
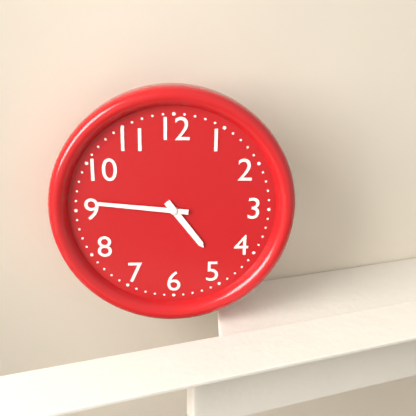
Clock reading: 4.46
